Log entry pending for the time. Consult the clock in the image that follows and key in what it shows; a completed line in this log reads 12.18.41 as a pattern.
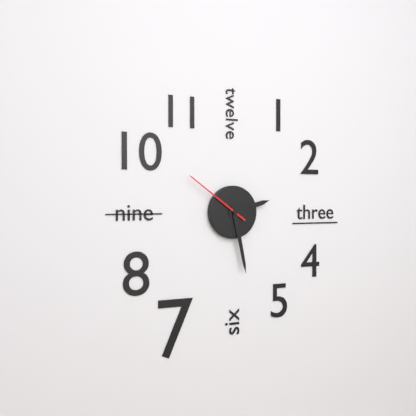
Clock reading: 2.28.51
